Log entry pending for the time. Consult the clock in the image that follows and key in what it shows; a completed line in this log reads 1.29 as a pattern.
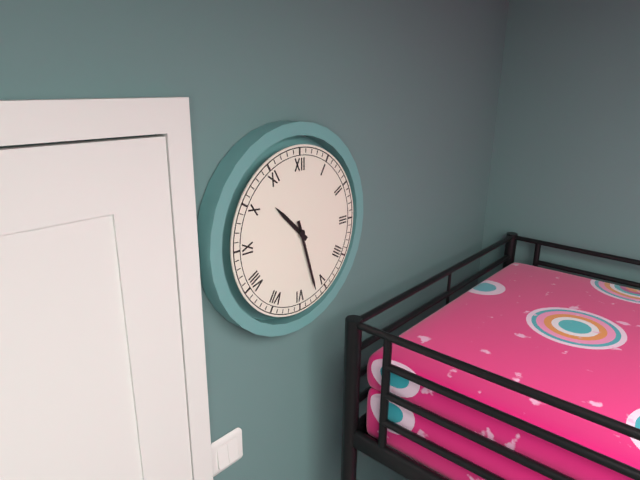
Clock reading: 10.27
